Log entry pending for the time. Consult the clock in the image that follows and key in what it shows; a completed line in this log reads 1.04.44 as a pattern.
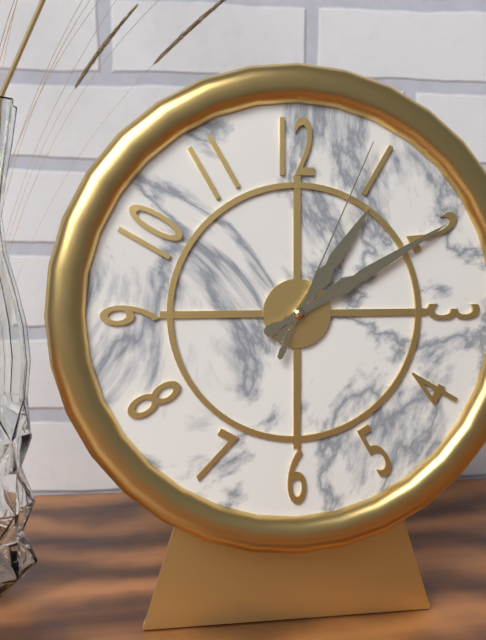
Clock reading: 1.10.04
